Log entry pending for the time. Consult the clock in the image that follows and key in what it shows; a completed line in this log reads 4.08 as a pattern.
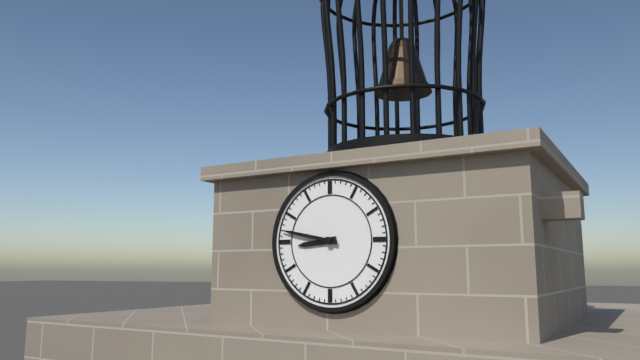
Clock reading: 8.47
